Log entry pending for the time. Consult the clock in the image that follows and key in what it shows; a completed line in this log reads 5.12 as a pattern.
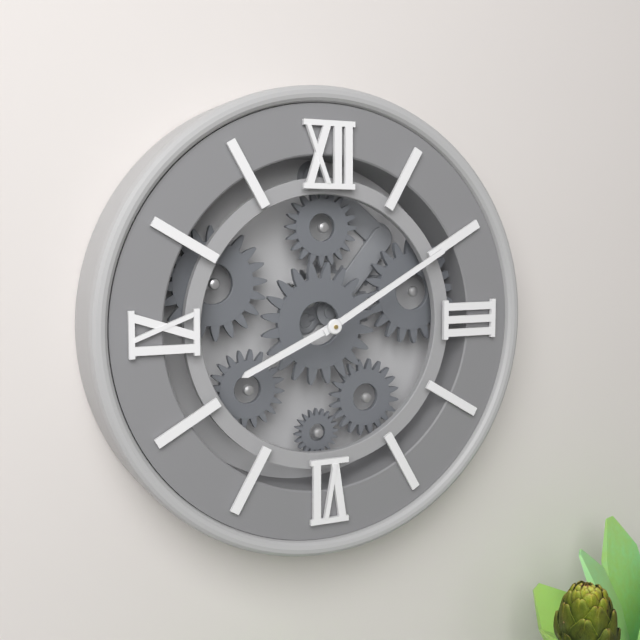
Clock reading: 8.10
